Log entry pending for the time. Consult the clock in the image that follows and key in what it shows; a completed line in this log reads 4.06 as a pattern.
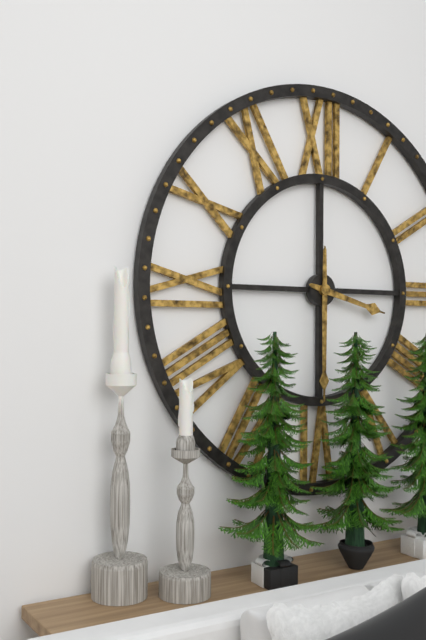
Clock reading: 3.30
